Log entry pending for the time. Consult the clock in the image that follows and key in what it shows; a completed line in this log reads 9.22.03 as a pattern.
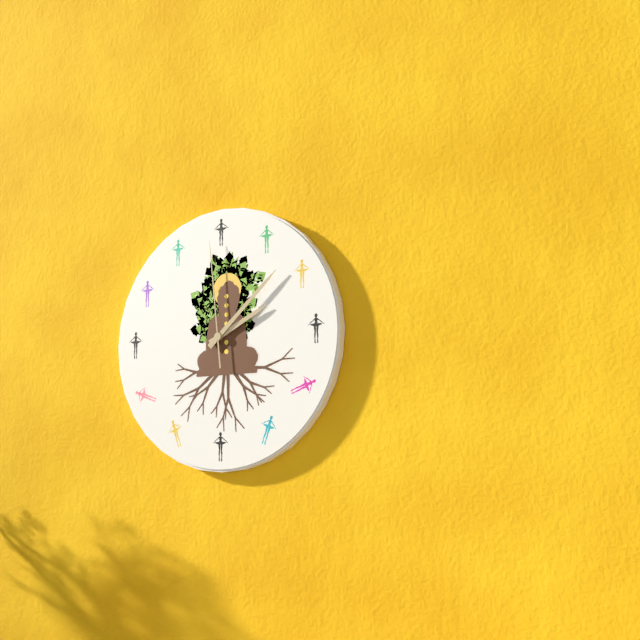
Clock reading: 2.08.59
